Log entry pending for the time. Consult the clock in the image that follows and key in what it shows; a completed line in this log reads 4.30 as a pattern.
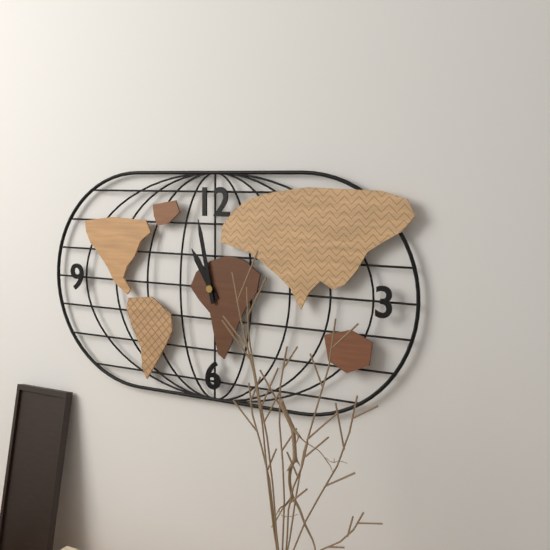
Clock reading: 10.58
